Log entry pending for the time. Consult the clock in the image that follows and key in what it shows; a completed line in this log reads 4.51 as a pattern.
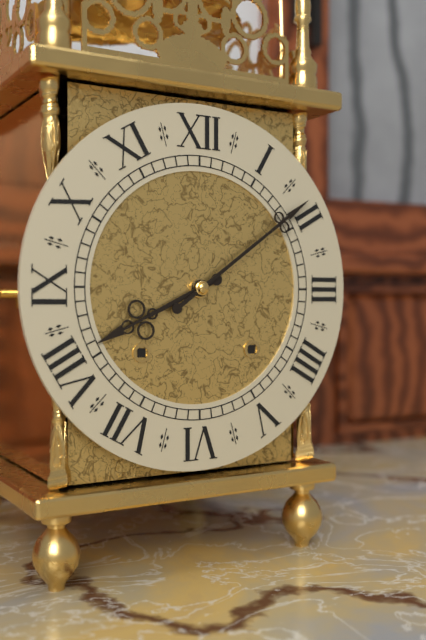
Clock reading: 8.09
